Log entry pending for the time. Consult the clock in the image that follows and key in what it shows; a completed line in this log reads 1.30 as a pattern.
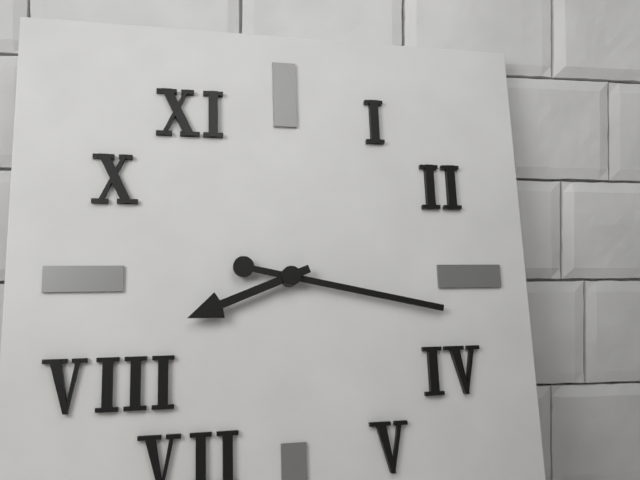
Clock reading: 8.17
